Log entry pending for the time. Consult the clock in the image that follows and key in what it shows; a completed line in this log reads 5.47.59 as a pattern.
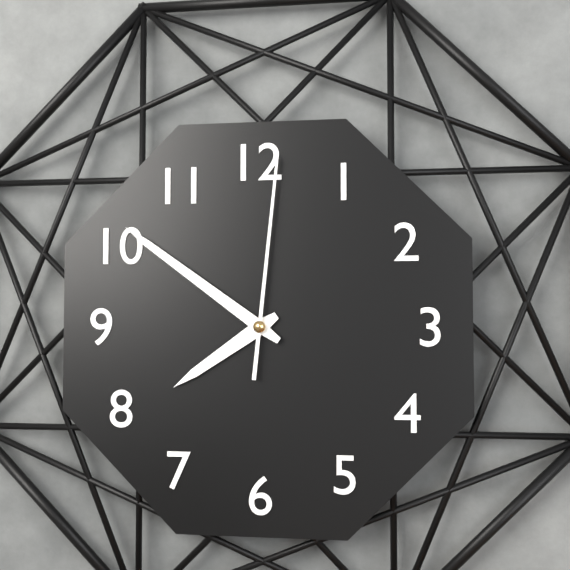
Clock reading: 7.51.01
